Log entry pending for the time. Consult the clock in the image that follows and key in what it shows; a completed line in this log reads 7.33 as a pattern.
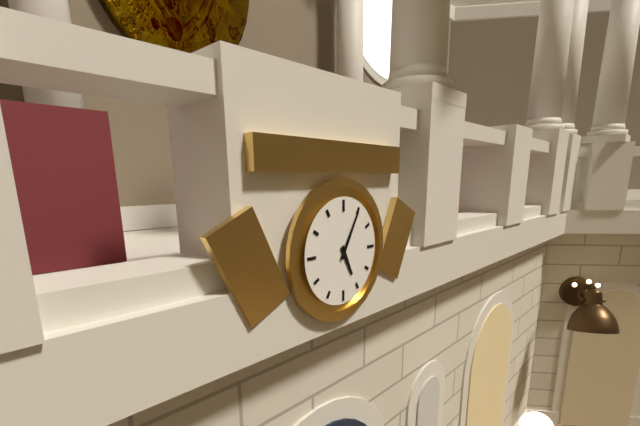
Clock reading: 5.05
